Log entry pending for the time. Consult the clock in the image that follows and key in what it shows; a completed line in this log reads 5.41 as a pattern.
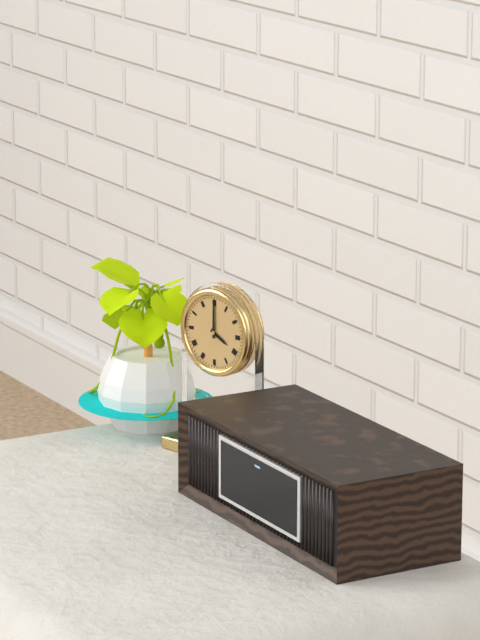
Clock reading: 4.00
